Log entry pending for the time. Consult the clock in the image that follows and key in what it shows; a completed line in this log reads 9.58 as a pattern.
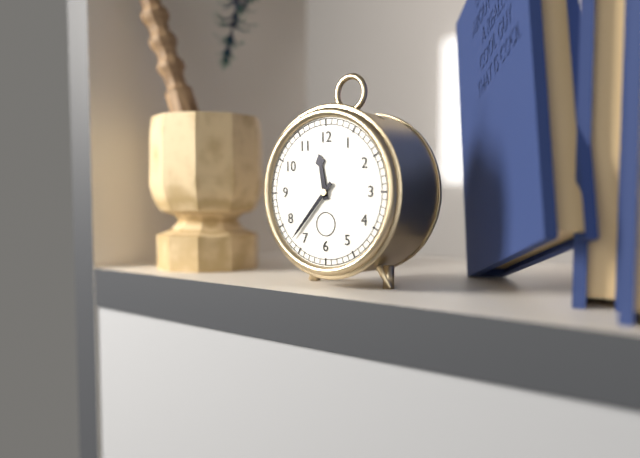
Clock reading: 11.37
